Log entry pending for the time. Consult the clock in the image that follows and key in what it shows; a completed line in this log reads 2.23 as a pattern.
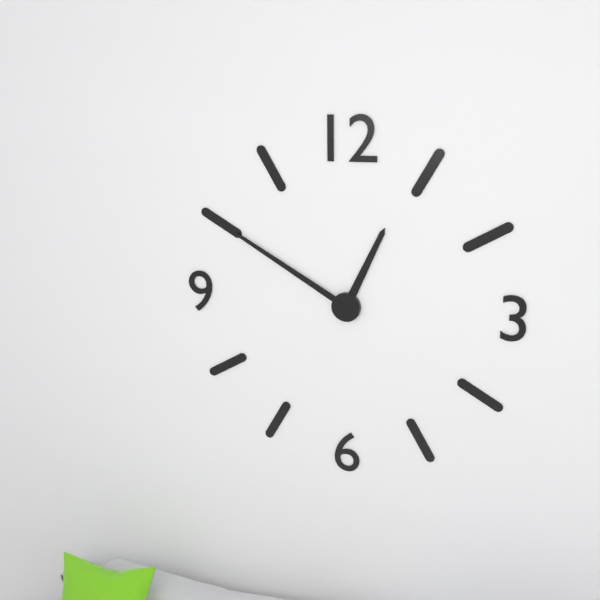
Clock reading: 12.50
